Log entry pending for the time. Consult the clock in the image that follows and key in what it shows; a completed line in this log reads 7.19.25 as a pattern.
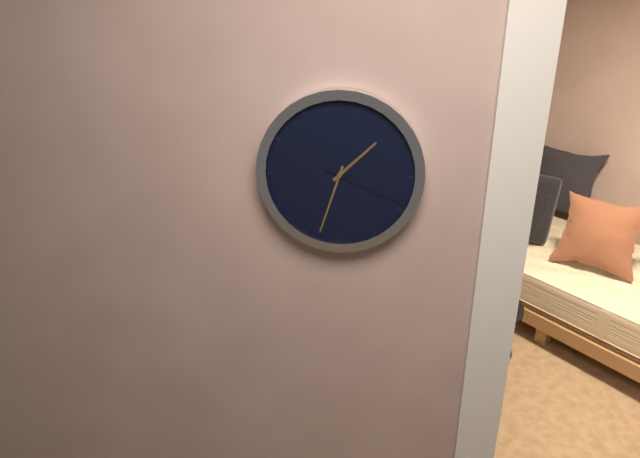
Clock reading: 1.33.19
